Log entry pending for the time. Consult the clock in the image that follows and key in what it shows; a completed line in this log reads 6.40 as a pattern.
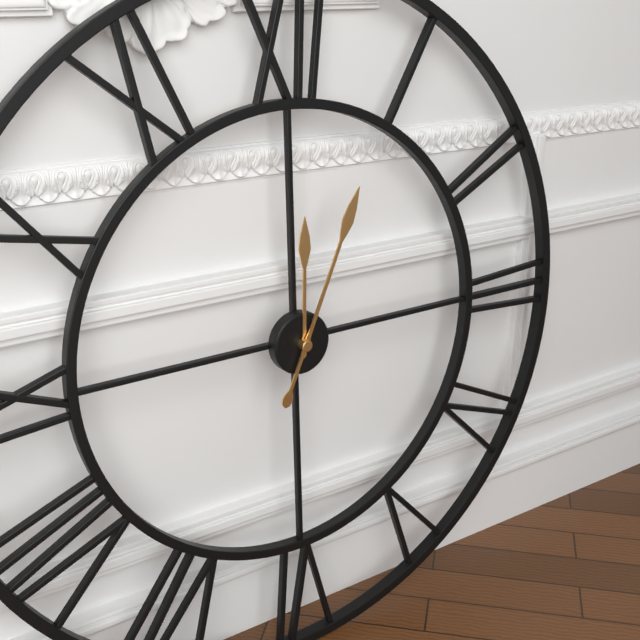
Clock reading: 12.04
